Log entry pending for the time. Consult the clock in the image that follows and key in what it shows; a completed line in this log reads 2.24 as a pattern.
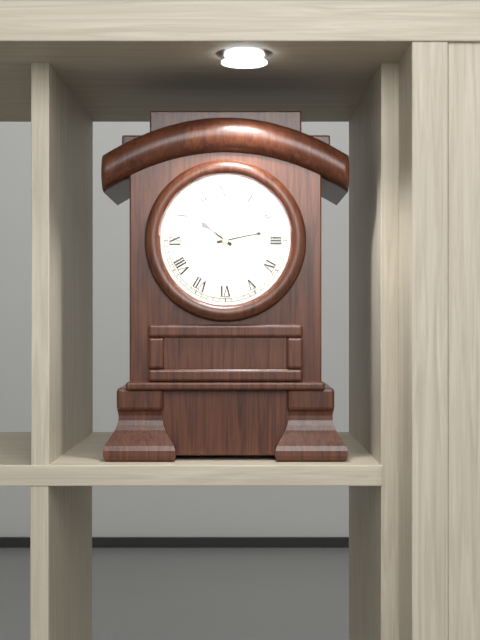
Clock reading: 10.13
